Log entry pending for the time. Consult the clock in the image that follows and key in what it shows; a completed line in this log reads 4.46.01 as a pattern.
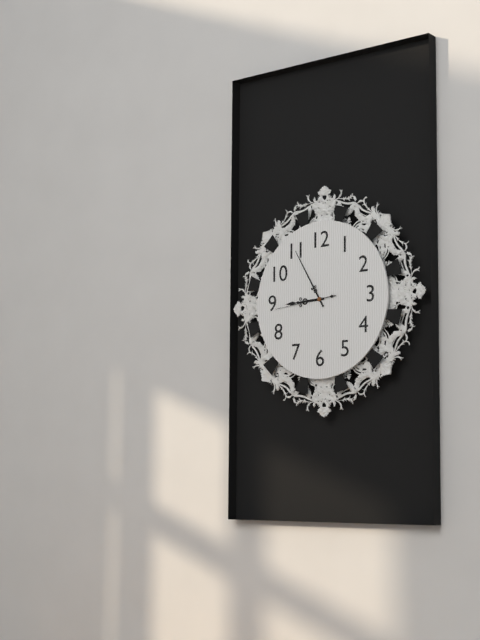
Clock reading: 8.55.44
